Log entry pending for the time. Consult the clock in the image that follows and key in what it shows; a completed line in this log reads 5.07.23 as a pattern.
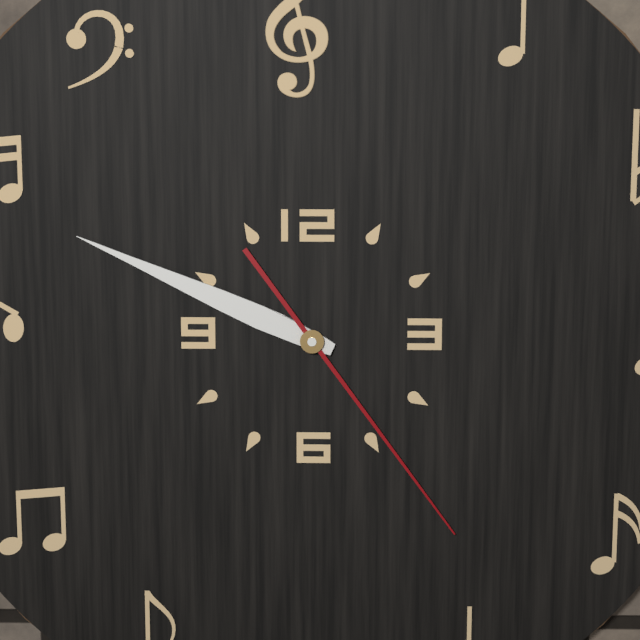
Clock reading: 9.49.24
